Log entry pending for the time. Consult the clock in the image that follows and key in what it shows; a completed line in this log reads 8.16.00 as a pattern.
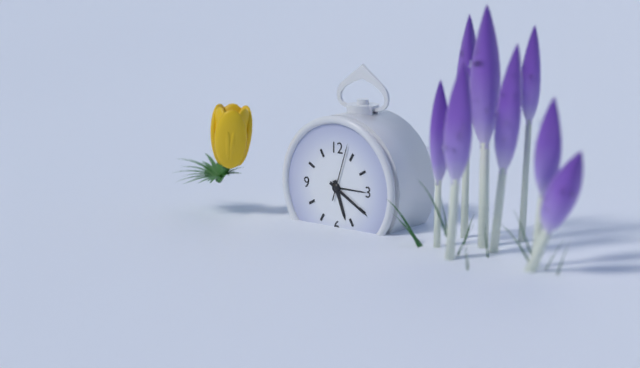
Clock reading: 5.20.03
